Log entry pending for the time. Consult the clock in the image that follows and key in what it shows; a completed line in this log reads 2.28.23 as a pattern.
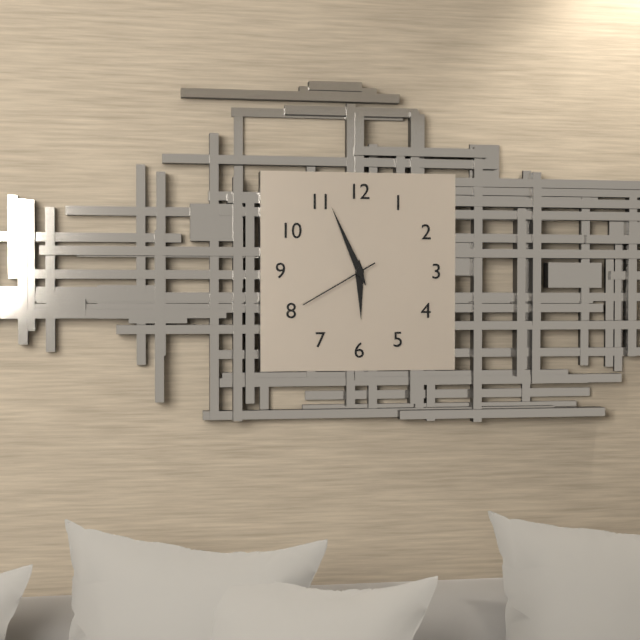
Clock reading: 5.56.40
